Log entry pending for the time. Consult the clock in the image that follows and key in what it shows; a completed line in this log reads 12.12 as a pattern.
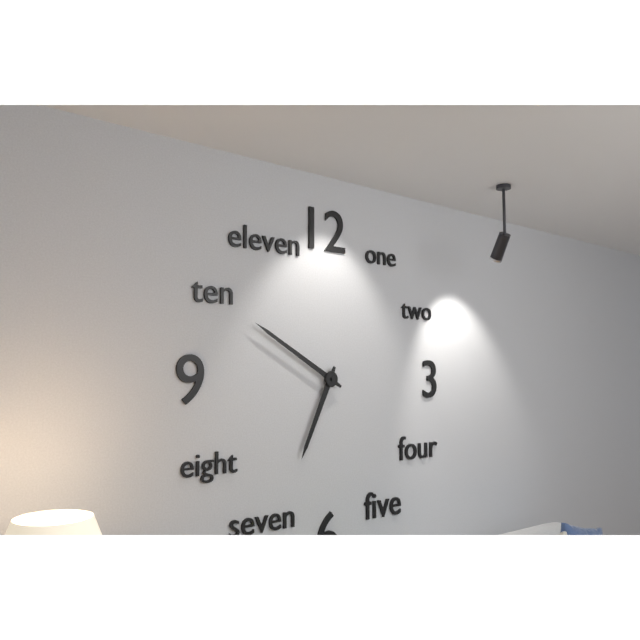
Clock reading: 6.50
